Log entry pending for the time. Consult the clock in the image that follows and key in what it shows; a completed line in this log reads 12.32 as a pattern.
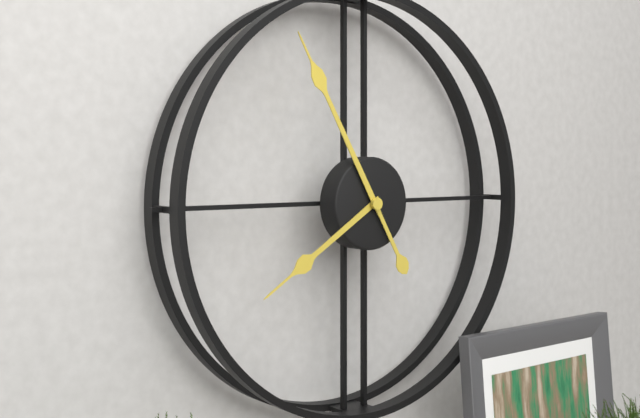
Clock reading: 7.55
